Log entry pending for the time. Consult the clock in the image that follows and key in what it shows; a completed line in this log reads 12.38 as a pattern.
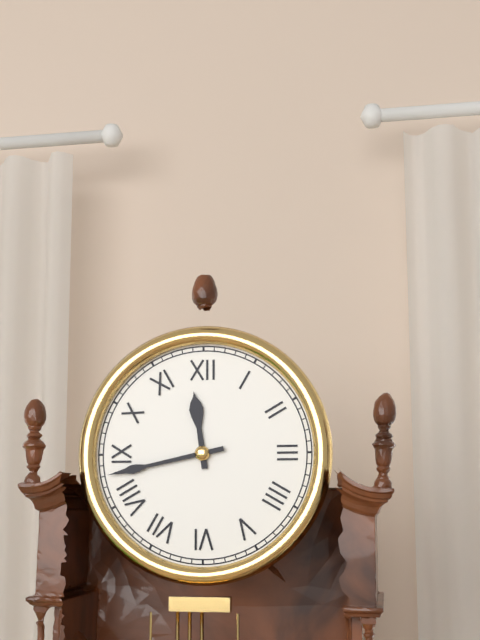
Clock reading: 11.43
